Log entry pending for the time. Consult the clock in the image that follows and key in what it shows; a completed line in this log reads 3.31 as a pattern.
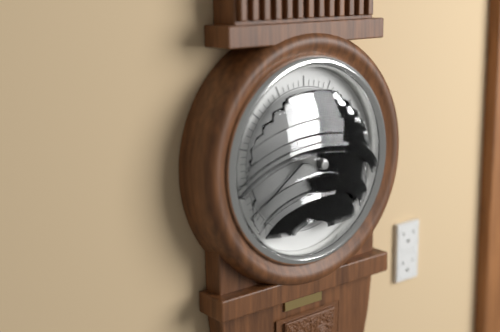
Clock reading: 12.39
